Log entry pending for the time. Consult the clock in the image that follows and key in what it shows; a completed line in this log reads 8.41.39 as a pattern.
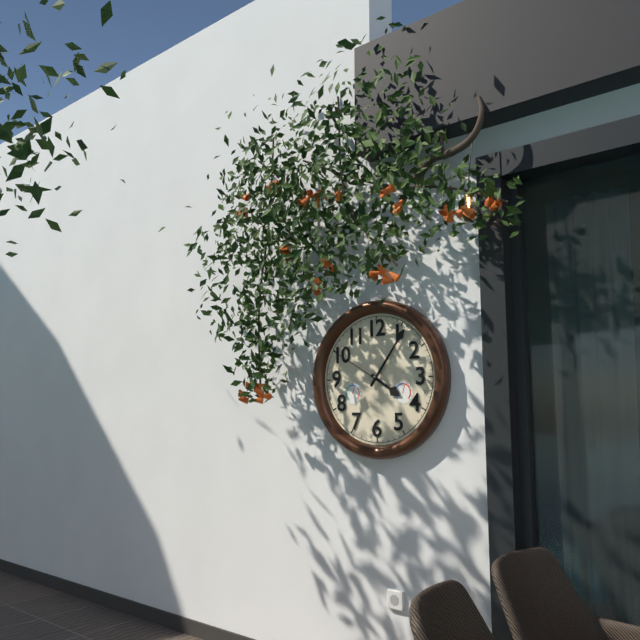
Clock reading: 4.06.50
